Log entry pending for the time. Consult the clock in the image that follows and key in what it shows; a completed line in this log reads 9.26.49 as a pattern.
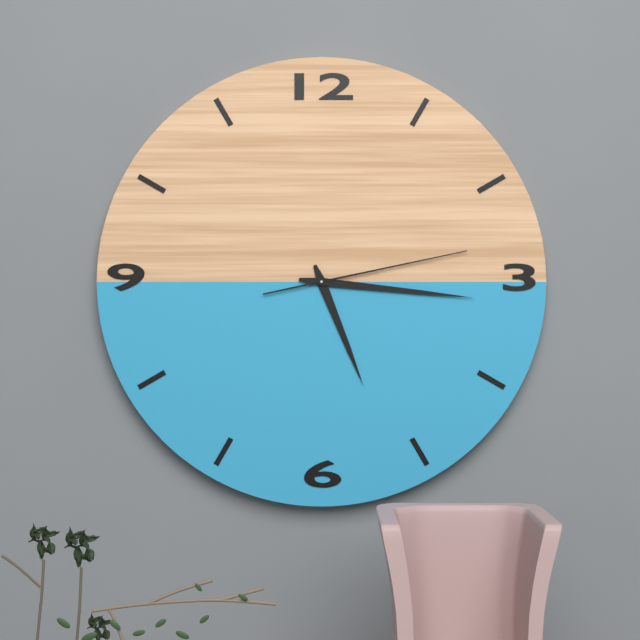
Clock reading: 5.16.13
